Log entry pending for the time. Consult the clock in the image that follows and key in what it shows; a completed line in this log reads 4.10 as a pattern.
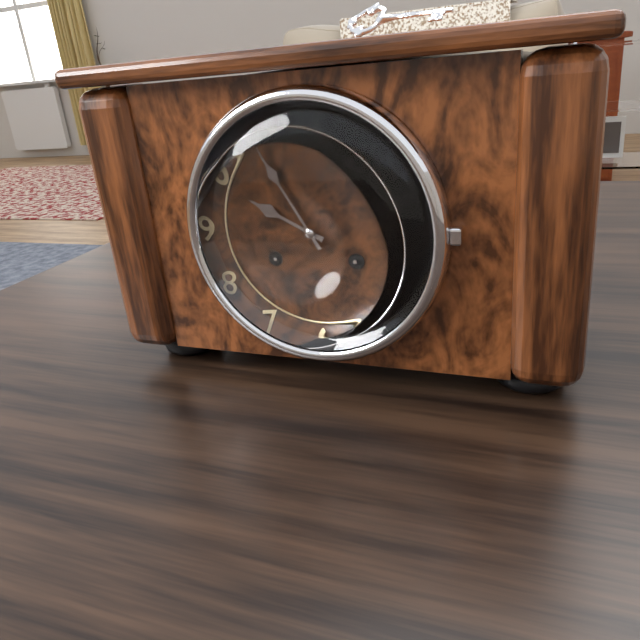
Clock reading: 9.55
